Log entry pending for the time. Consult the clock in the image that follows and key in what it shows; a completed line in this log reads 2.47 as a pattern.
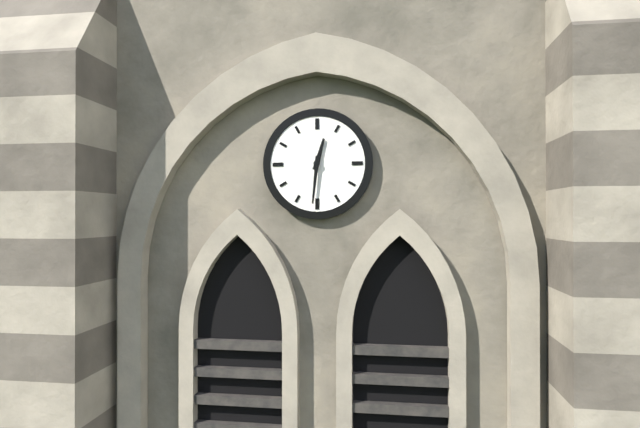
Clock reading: 12.31
